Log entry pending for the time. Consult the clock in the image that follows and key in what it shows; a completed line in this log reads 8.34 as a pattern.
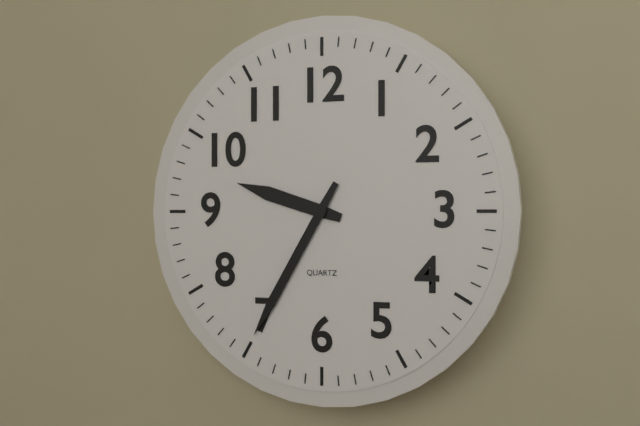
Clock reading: 9.35
